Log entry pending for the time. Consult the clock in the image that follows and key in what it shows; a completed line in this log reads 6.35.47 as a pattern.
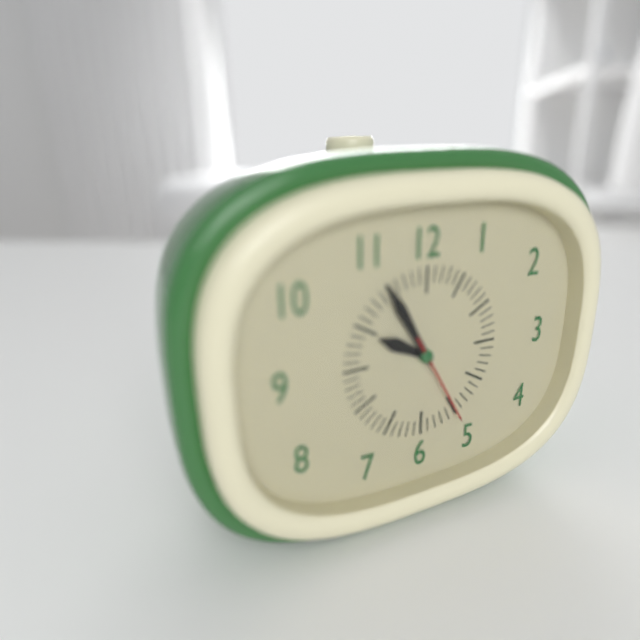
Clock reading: 9.55.25
